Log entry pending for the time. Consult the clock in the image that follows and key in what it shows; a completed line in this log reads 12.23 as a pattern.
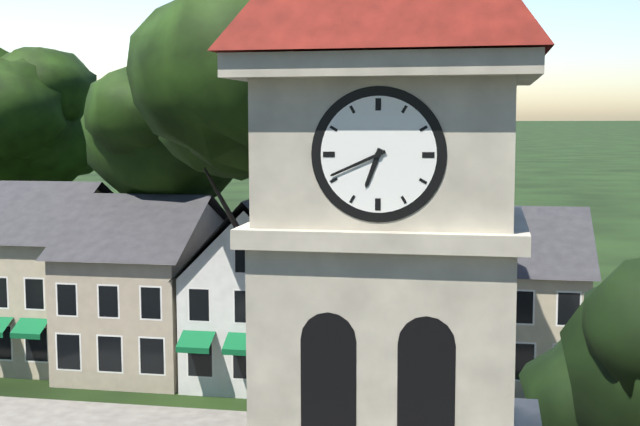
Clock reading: 6.41
